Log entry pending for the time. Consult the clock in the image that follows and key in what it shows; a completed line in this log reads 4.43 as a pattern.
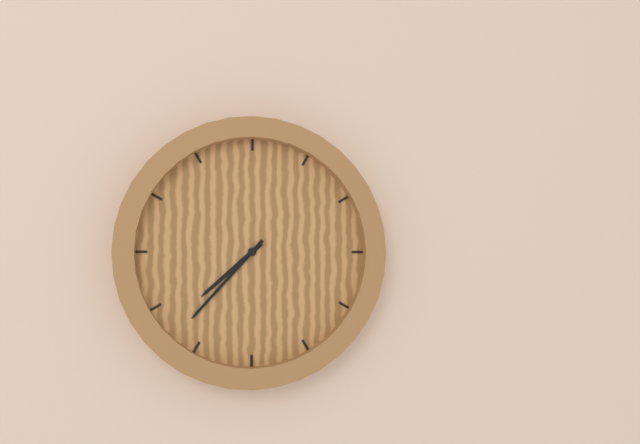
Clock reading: 7.37
